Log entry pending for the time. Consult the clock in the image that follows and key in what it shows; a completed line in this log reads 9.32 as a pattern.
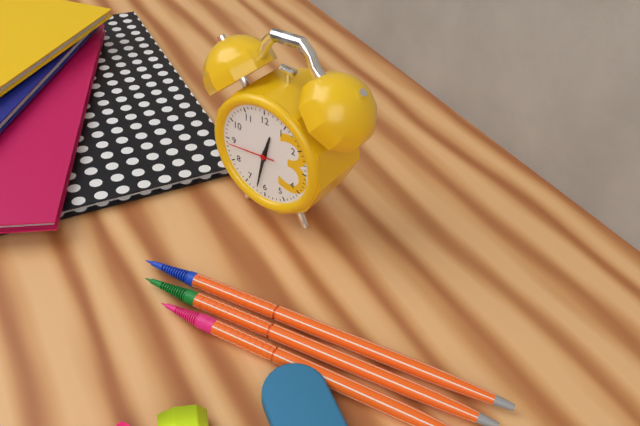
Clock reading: 12.32
